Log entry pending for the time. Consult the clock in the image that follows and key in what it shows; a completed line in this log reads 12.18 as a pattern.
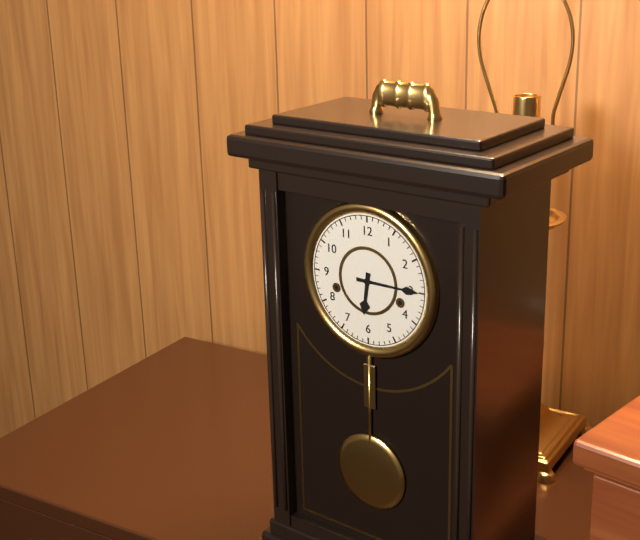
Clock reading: 6.15
